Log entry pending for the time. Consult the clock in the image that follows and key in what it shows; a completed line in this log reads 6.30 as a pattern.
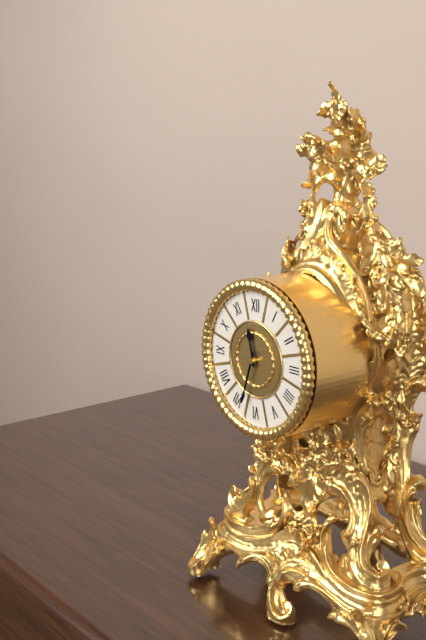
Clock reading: 11.33
